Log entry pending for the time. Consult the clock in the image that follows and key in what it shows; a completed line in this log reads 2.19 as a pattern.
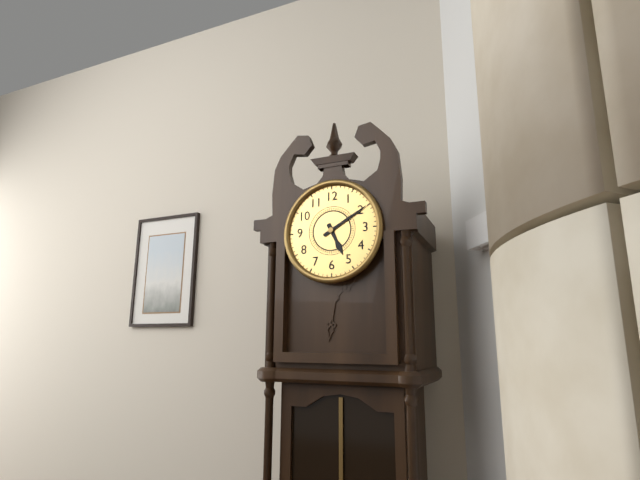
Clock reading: 5.10
